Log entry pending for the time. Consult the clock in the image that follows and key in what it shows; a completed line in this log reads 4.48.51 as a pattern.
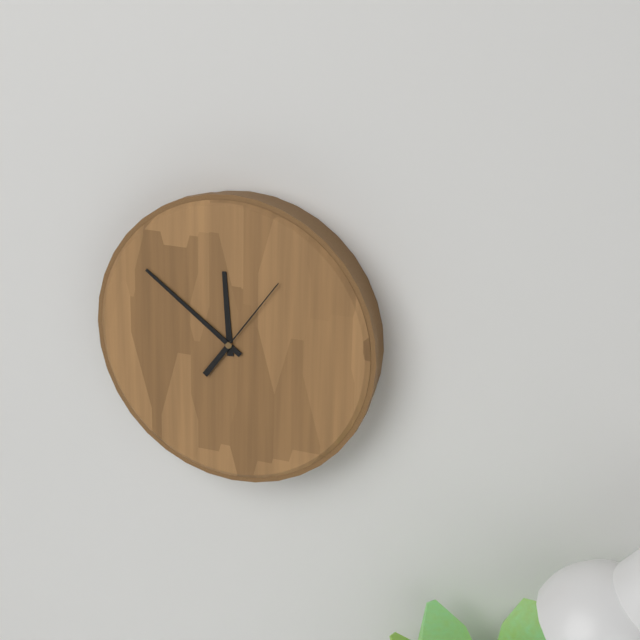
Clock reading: 11.51.06
